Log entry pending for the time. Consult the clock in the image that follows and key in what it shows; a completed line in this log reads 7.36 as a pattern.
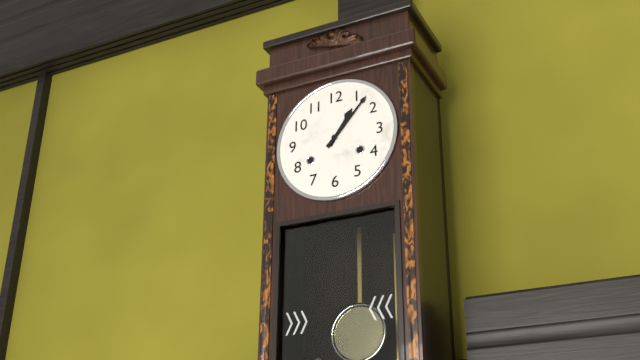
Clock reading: 1.07
